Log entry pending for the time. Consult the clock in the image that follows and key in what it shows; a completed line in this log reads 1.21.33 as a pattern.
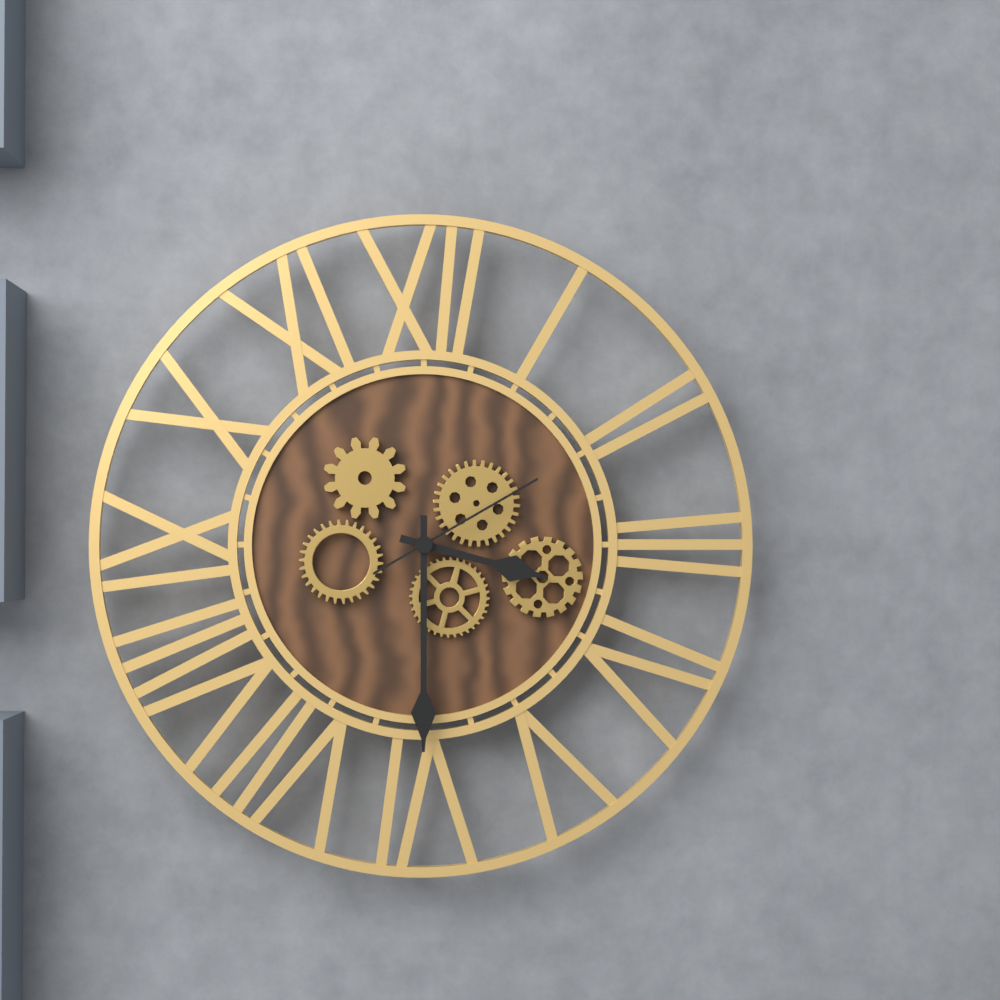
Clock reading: 3.30.10
